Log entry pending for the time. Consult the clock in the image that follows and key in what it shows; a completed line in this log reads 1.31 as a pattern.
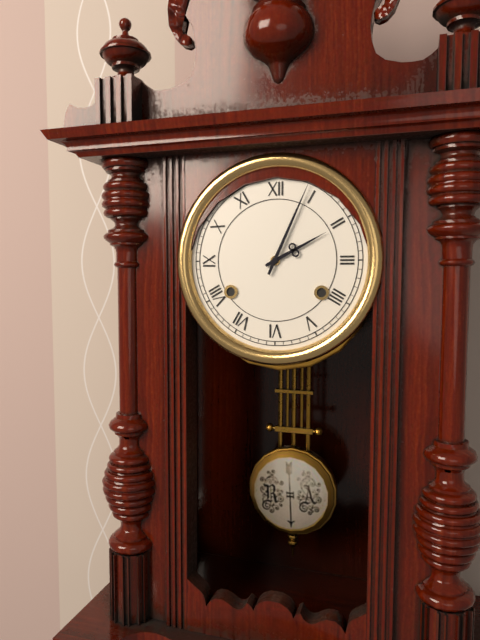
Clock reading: 2.04
